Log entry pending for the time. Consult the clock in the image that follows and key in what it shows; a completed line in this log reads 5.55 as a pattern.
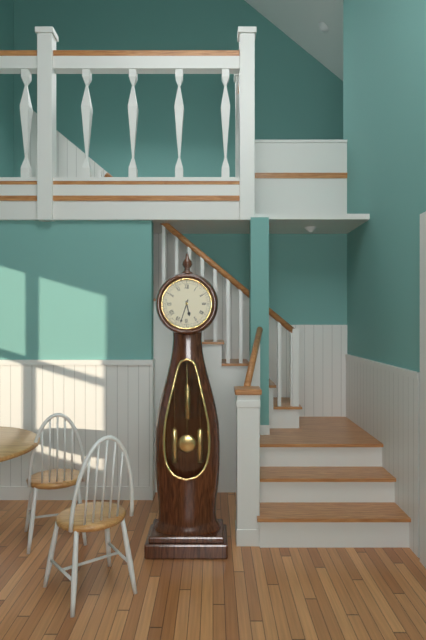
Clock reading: 5.33
